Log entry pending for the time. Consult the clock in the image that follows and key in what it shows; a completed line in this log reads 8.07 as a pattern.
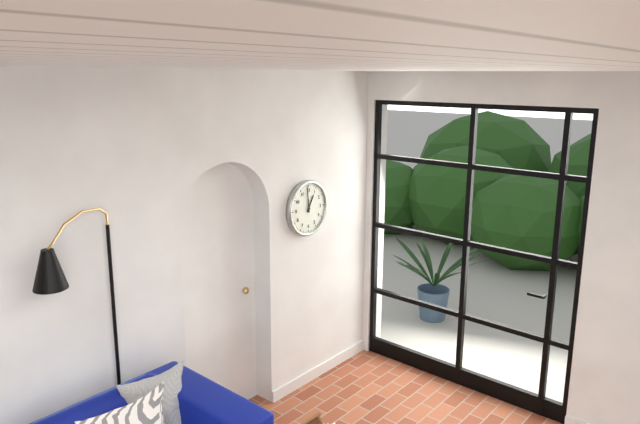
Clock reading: 12.59
